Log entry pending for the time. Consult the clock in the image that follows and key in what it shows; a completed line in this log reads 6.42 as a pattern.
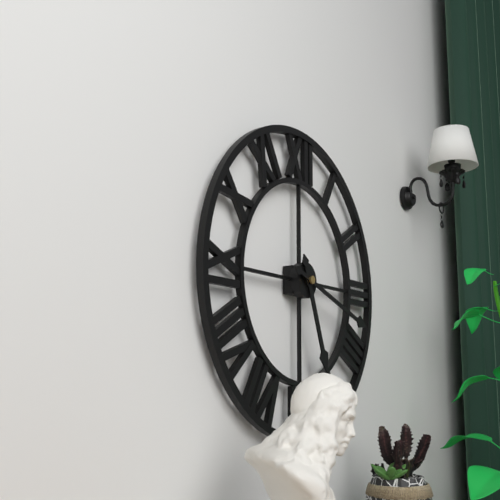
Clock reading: 5.18
